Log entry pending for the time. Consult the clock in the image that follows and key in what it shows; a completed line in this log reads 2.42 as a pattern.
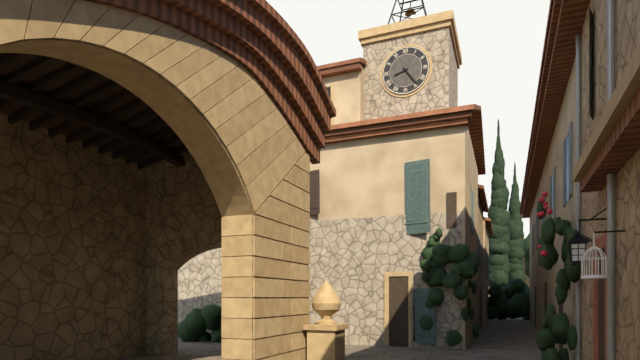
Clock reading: 8.24
